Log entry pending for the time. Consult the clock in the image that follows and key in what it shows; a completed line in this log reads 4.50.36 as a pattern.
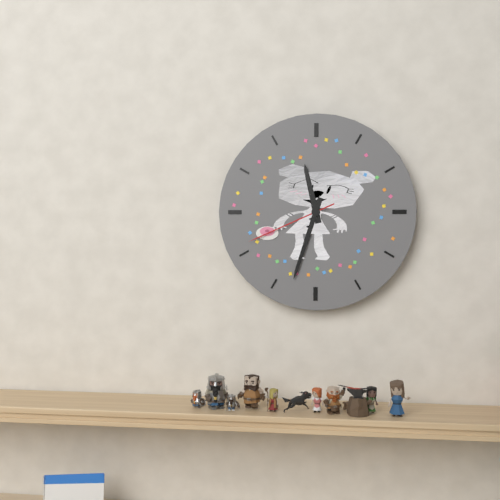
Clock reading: 11.33.41
